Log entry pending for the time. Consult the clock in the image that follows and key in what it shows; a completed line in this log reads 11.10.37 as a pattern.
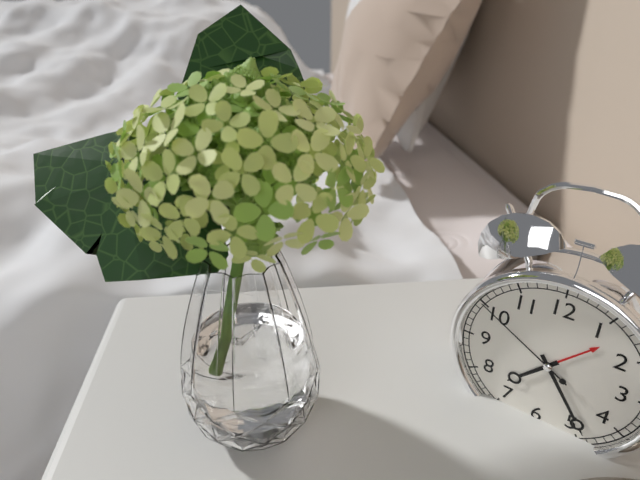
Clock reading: 7.24.50
